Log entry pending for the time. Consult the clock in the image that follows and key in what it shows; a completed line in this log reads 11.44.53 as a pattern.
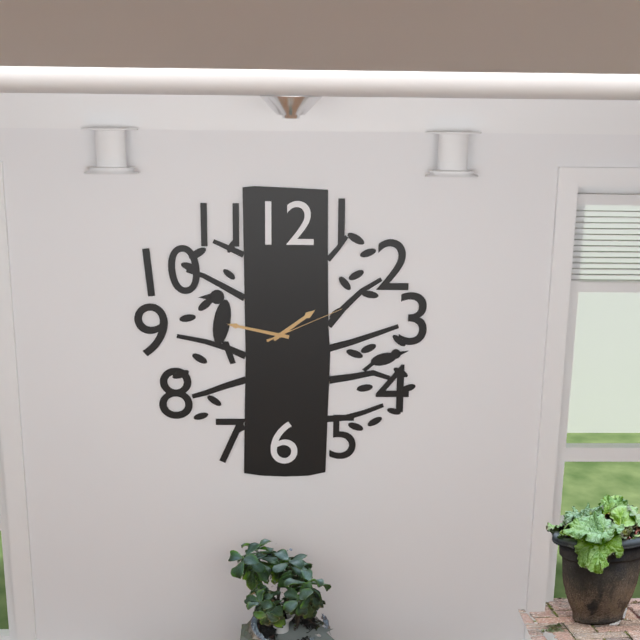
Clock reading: 1.47.11
